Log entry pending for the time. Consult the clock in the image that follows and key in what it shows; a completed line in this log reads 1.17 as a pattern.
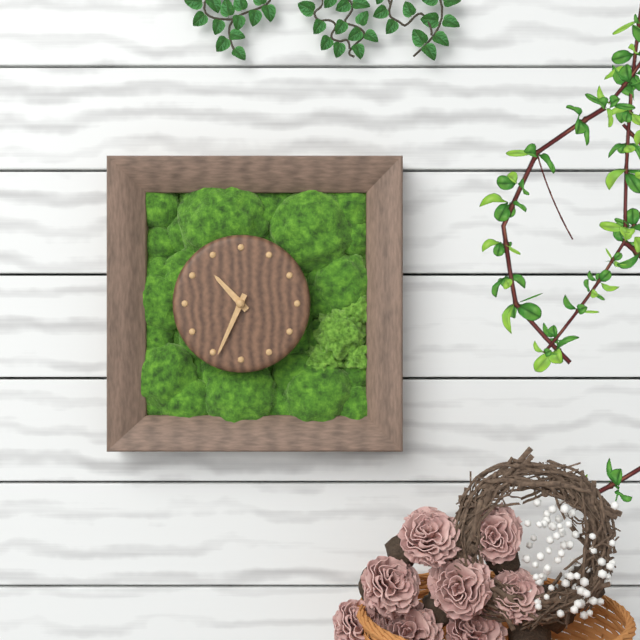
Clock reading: 10.34
